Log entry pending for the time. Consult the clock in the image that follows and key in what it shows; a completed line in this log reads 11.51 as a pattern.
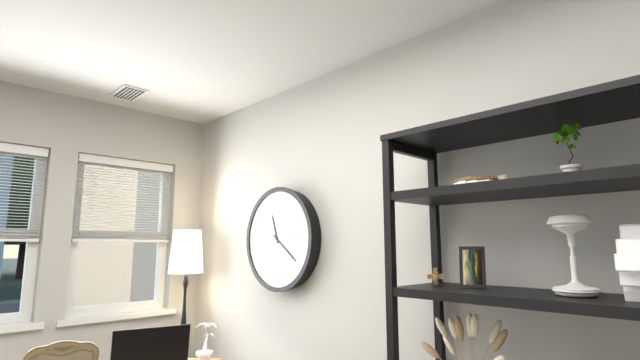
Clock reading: 11.21
